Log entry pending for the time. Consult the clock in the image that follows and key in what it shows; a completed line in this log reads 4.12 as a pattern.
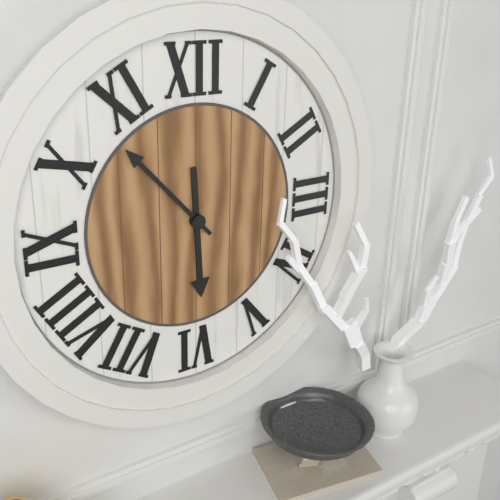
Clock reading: 5.53
